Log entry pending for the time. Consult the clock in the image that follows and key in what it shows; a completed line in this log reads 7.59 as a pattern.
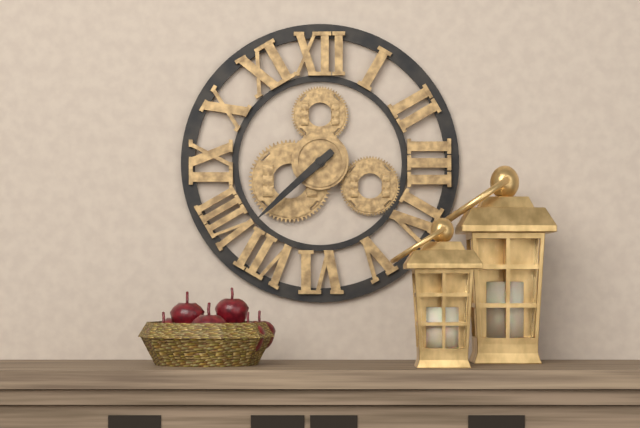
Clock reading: 7.38
